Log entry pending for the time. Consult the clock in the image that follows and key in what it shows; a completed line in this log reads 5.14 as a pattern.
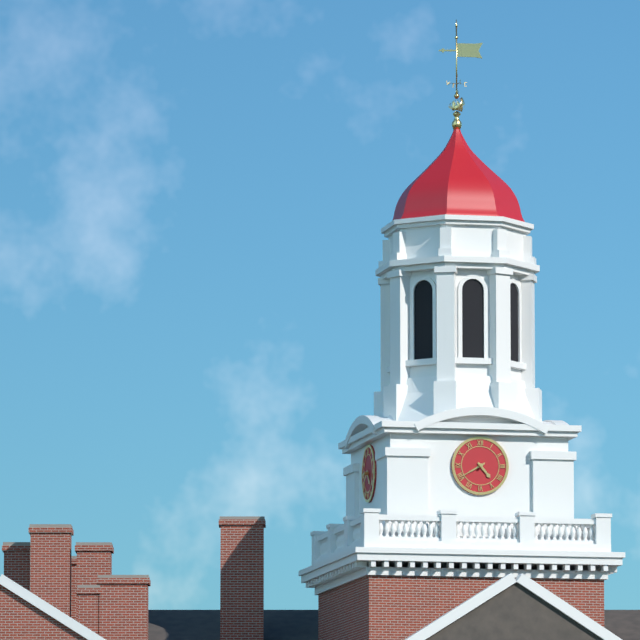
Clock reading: 4.40
